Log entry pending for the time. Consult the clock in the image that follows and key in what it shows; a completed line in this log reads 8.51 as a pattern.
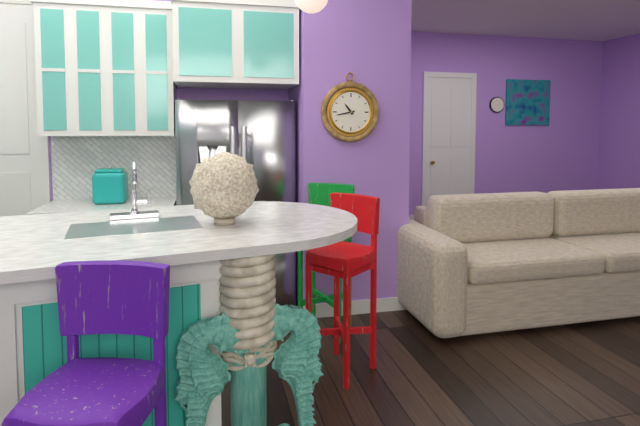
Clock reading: 10.43
